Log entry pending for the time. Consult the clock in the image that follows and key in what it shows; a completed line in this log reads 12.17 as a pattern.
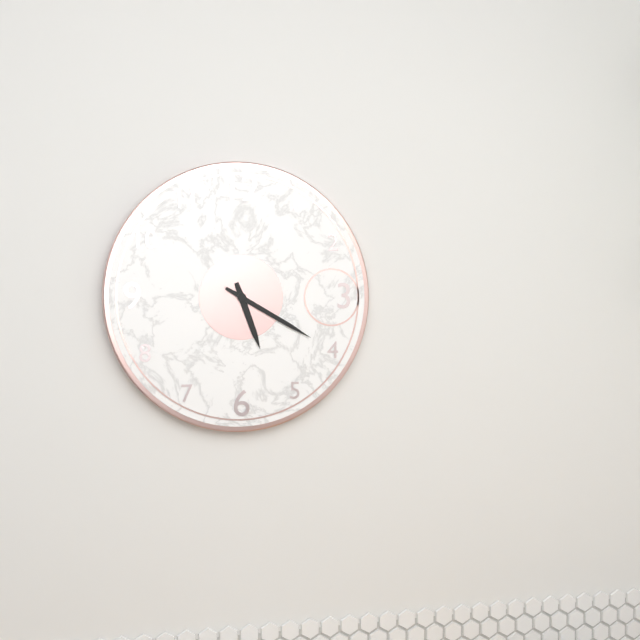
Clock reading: 5.20
